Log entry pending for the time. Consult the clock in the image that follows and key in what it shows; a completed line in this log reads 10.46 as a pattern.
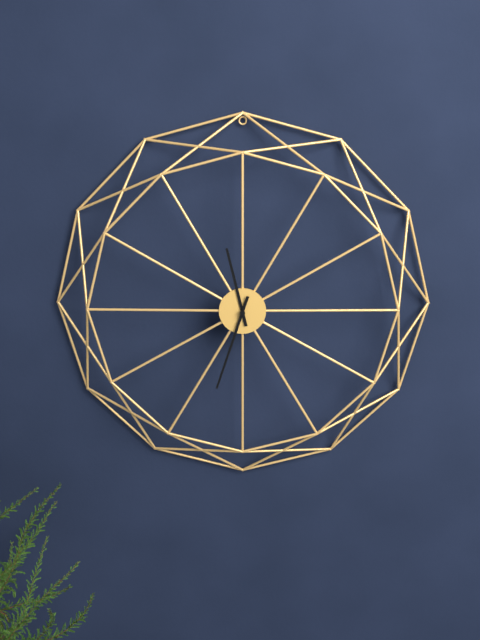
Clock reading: 11.33
